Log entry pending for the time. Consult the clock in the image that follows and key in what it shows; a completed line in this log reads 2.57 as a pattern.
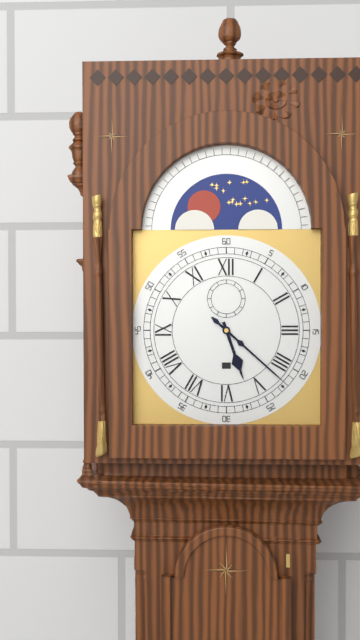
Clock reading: 5.22
